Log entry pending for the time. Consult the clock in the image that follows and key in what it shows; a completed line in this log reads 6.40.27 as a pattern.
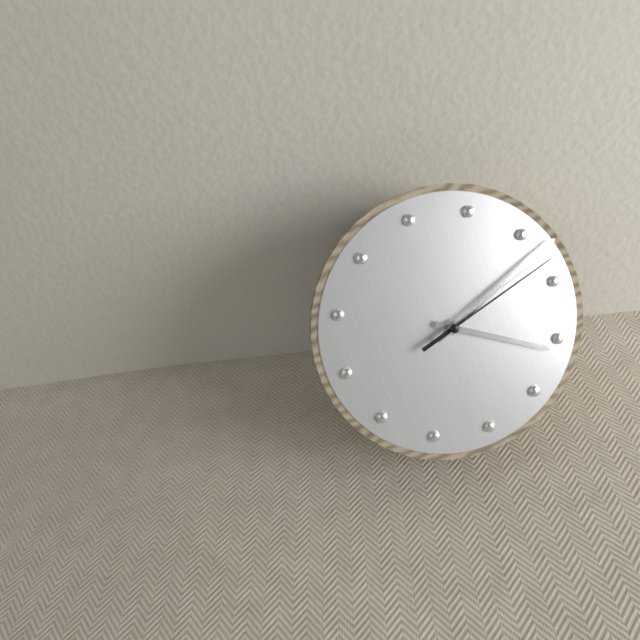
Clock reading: 4.12.13
